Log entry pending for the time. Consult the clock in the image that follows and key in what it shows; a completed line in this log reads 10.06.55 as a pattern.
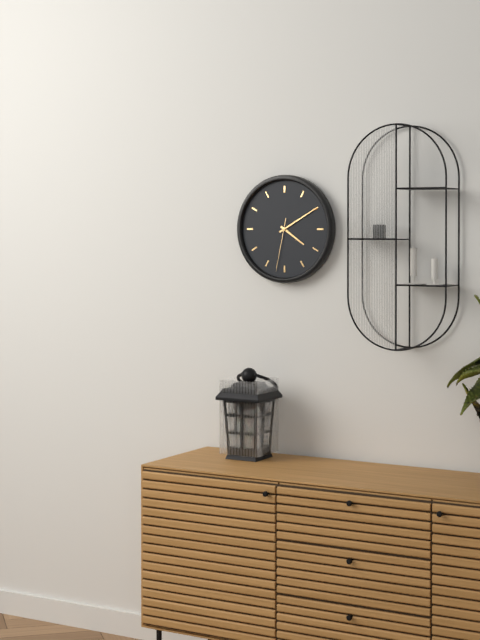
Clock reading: 4.10.32
